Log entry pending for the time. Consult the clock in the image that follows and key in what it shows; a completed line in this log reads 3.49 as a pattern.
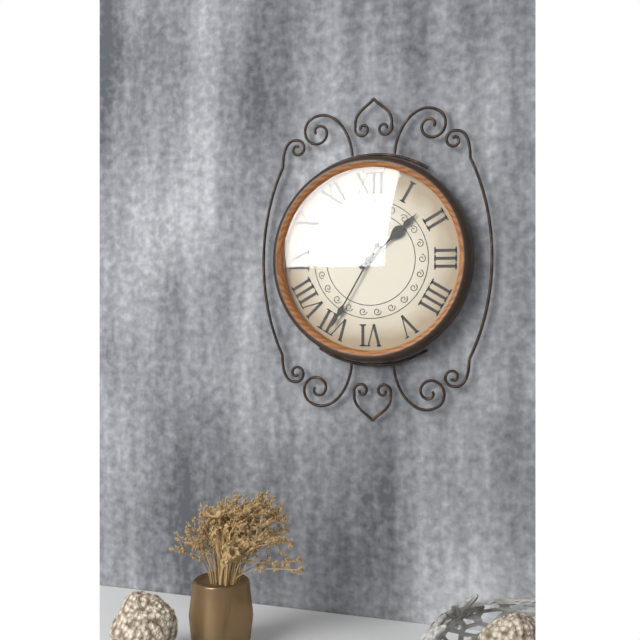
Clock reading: 1.35
